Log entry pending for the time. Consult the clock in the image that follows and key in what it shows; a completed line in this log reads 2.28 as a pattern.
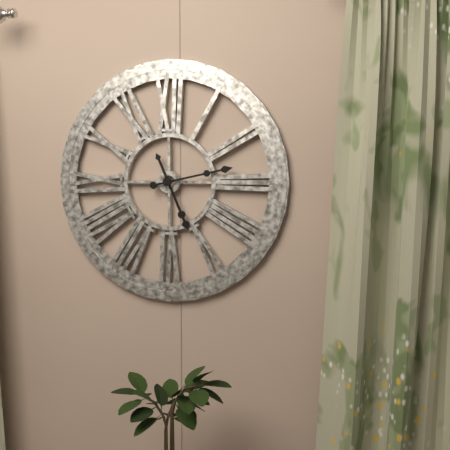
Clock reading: 5.13
